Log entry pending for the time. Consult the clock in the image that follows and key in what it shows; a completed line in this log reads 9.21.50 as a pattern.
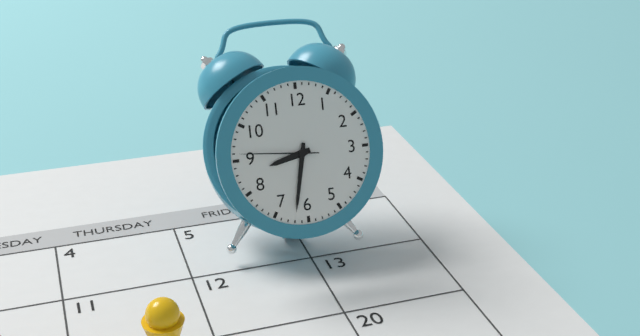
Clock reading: 8.32.46
